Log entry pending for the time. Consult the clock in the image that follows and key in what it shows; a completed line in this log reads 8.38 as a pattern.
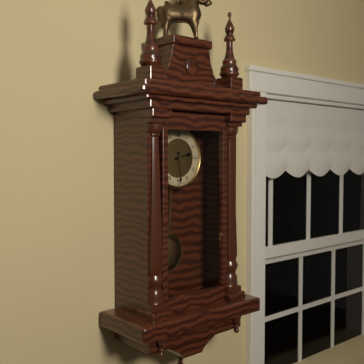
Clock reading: 2.29
